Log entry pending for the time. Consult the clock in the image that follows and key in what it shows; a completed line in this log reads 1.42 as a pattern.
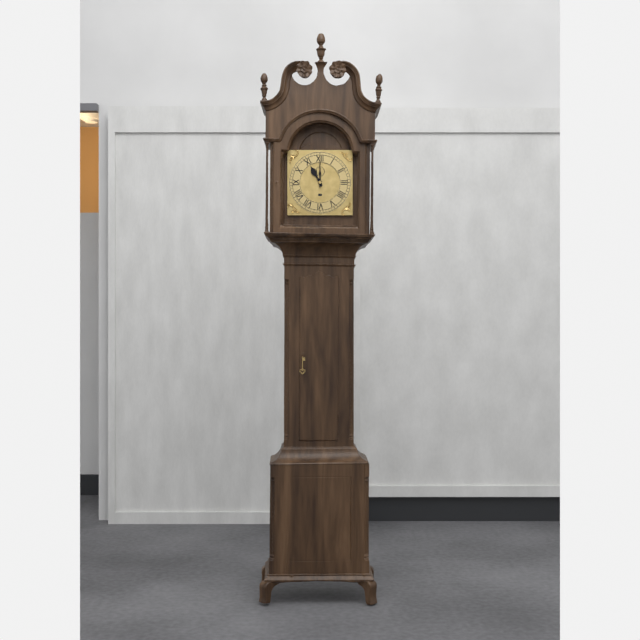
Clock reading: 11.00
